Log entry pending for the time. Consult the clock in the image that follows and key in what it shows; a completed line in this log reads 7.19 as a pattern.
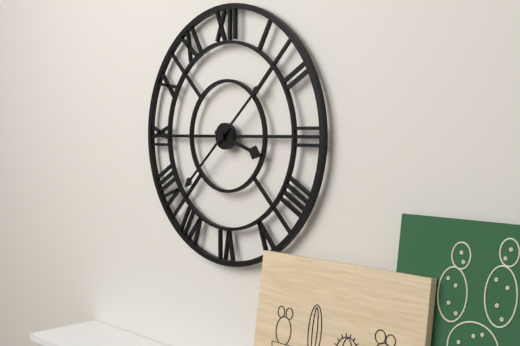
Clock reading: 3.38
